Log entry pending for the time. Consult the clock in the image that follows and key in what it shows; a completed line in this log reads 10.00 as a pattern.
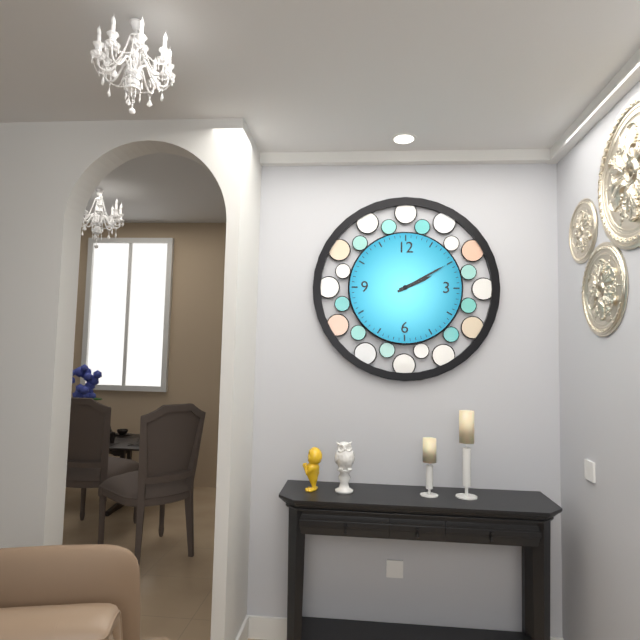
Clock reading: 2.10
